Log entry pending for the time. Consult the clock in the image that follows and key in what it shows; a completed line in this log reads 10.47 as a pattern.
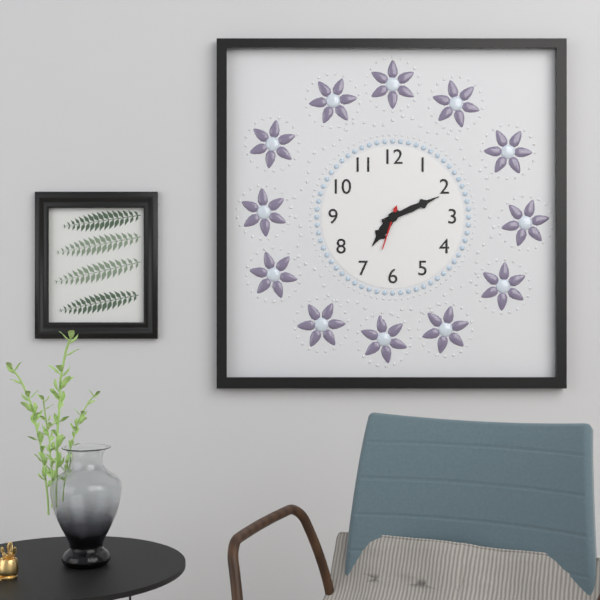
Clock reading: 7.11
